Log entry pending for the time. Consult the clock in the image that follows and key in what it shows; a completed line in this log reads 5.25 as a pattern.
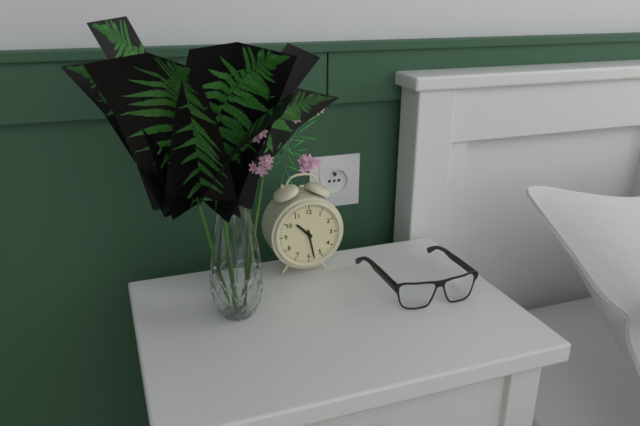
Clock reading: 10.28
